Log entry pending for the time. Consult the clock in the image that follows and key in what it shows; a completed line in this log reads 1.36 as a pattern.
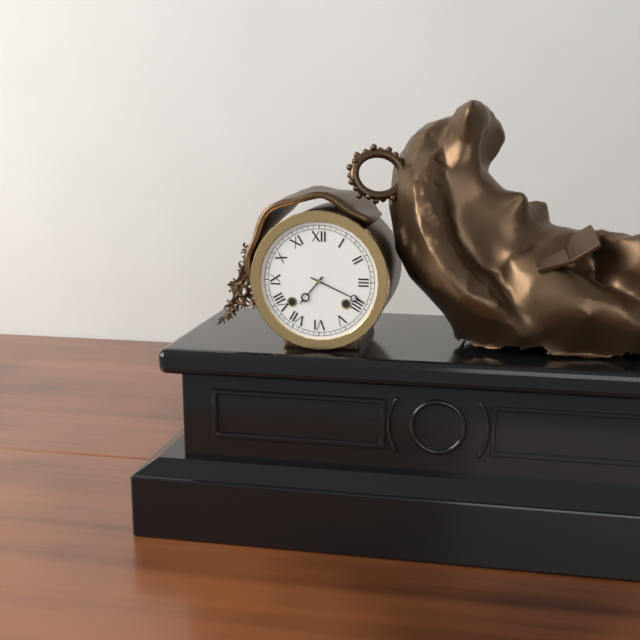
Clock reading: 7.19
